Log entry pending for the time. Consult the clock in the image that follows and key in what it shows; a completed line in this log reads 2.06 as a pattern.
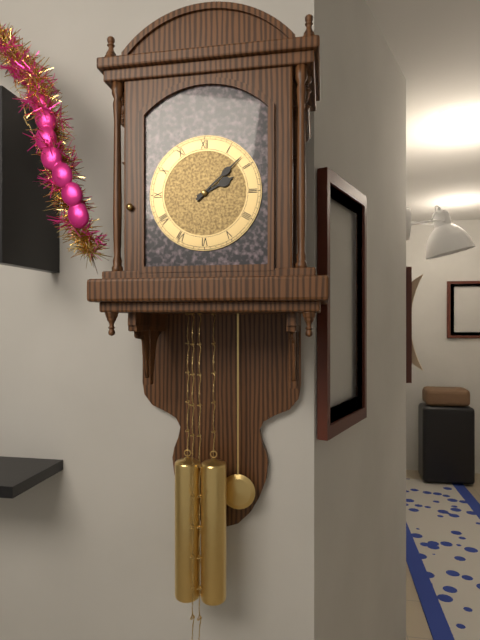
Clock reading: 2.08
